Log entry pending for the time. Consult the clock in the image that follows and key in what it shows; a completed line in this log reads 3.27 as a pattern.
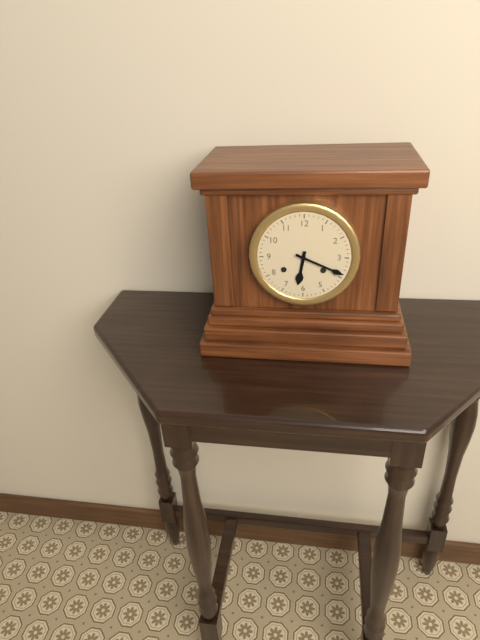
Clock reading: 6.19
